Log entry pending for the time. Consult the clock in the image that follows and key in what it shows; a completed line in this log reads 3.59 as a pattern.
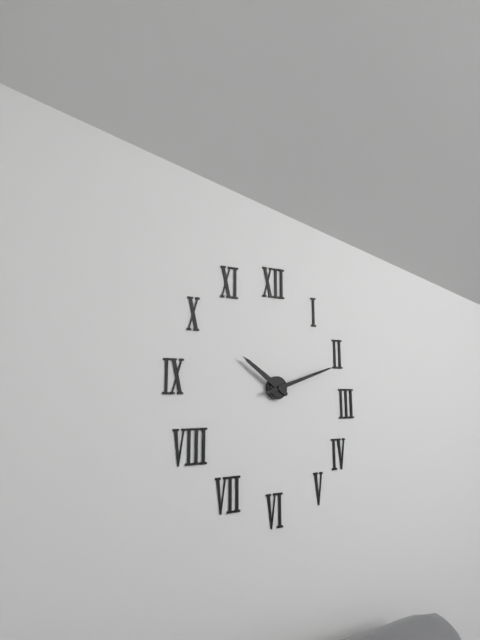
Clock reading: 10.12
